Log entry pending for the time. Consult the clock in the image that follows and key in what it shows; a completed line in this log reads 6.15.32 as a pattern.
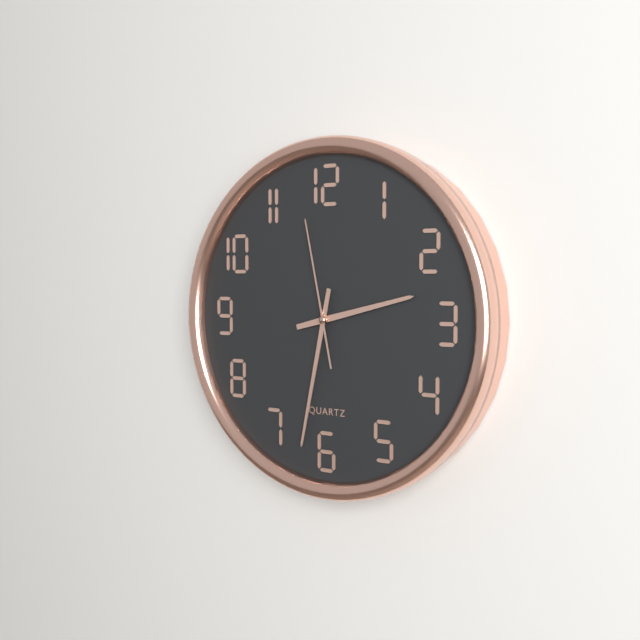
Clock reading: 2.32.58
